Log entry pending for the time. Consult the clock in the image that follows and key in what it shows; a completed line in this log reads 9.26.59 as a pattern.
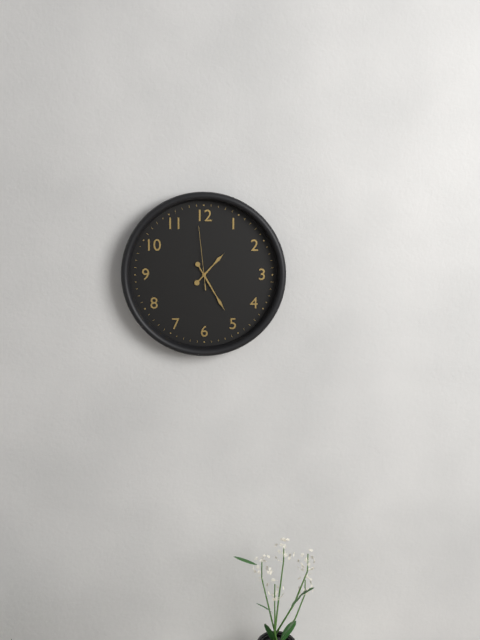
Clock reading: 1.25.59
